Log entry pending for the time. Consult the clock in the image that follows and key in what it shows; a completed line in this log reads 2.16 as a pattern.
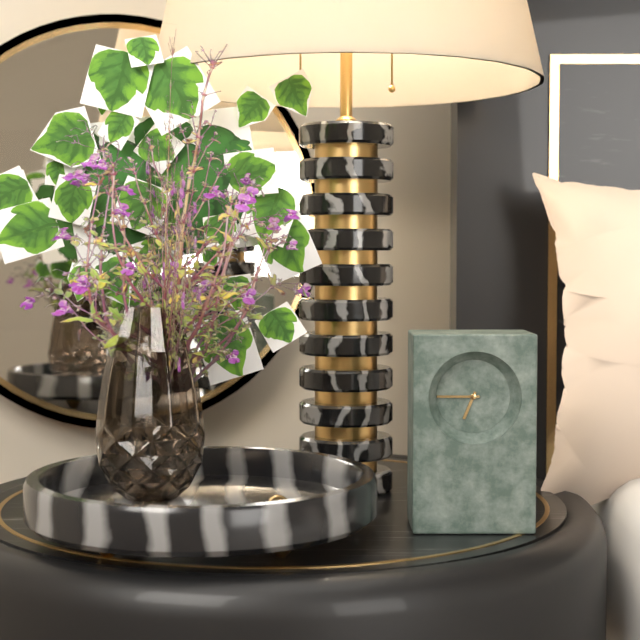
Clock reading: 6.45
